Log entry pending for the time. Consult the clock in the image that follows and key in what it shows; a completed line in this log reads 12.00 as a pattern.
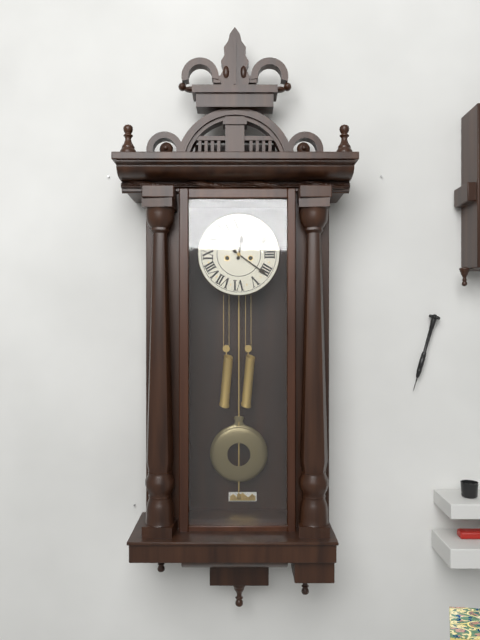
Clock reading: 12.21
